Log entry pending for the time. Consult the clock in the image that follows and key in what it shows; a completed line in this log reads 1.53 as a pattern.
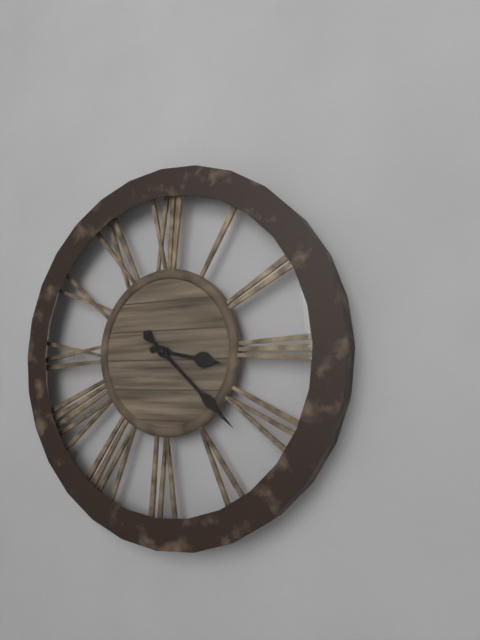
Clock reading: 3.22
